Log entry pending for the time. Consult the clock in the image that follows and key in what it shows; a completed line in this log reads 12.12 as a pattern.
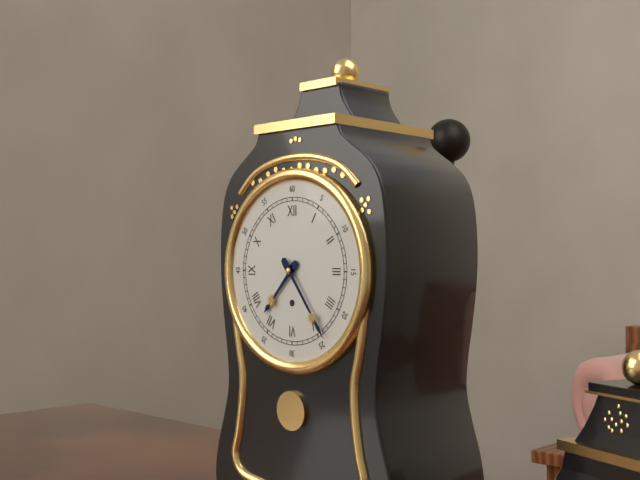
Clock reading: 7.24
